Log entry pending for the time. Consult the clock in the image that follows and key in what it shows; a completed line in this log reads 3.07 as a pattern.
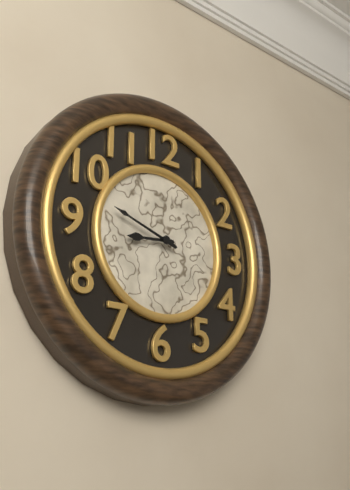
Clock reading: 8.48
